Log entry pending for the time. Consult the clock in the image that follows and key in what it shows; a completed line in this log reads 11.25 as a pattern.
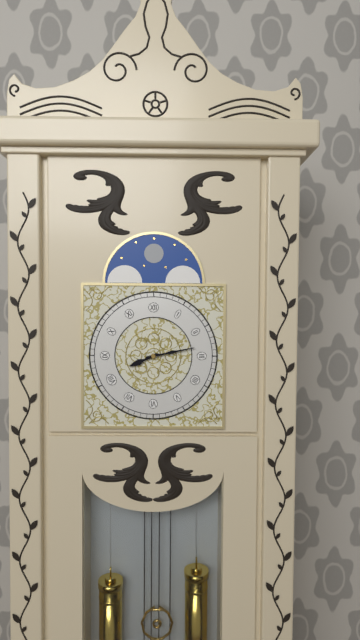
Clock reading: 8.13
